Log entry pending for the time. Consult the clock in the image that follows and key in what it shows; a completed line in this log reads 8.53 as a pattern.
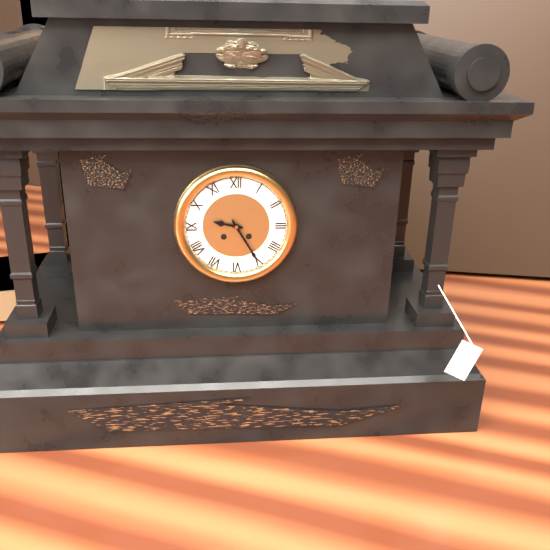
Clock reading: 9.25
